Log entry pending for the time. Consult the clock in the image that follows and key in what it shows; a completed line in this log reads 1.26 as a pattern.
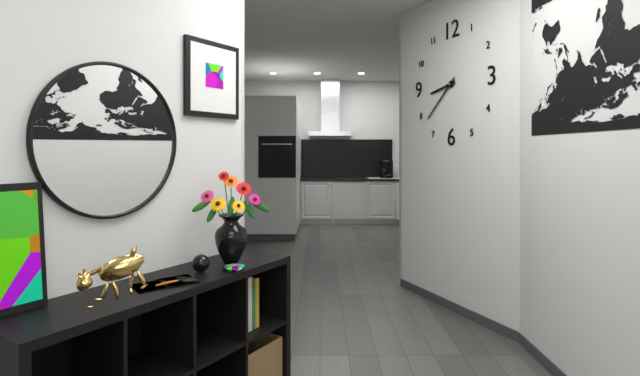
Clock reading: 8.38
